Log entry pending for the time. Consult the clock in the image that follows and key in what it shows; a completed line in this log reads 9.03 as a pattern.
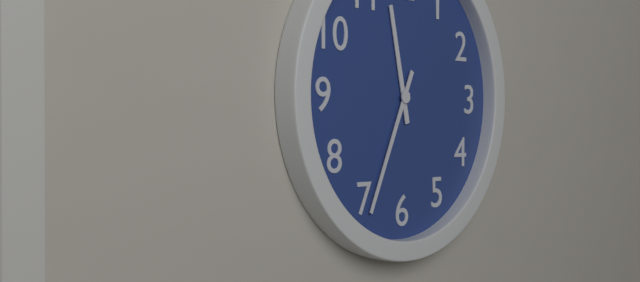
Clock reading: 11.34
